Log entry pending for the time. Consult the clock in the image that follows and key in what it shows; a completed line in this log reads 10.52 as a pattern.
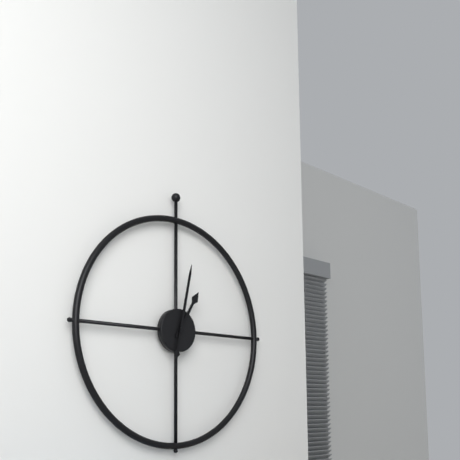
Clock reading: 1.02
